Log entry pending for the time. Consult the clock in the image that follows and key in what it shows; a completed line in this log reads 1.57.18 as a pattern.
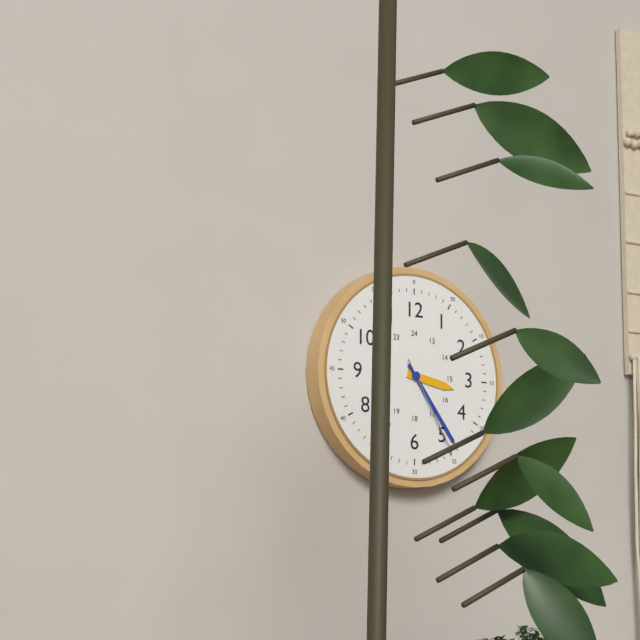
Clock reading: 3.24.25
